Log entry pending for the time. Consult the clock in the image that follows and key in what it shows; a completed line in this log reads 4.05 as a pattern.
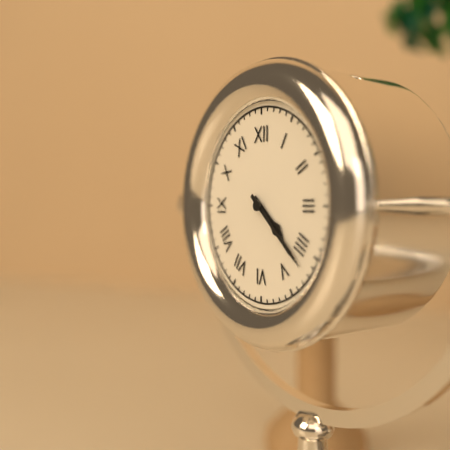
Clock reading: 4.22
